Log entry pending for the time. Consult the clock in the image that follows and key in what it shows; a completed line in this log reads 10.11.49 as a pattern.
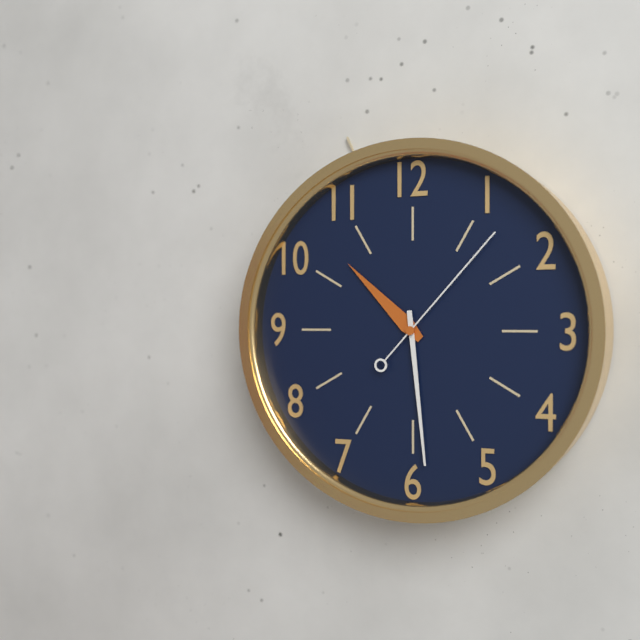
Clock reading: 10.29.07
